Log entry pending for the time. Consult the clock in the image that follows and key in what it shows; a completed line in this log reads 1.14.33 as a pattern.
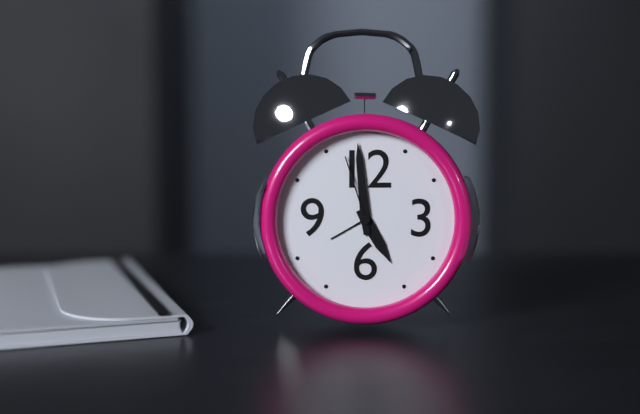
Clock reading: 4.59.57
